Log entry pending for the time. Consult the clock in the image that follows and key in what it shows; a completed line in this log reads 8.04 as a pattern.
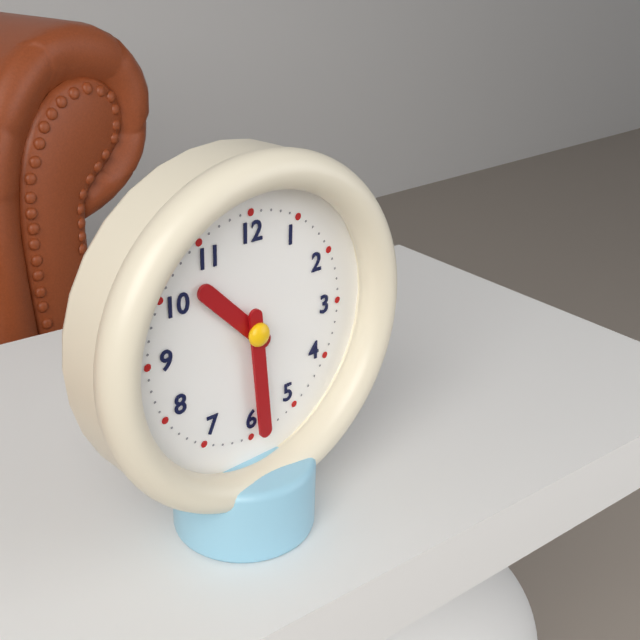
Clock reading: 10.29
